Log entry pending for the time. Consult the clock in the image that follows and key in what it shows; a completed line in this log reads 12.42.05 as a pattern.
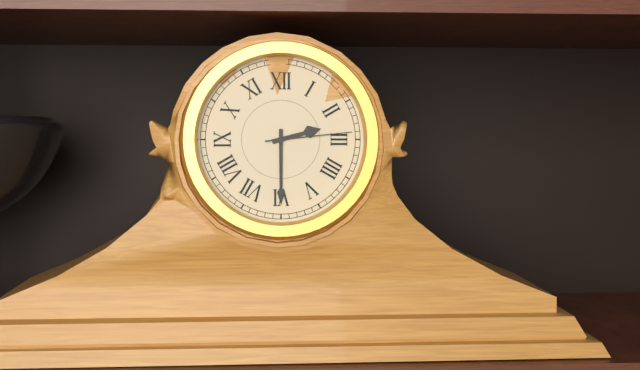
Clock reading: 2.30.14
